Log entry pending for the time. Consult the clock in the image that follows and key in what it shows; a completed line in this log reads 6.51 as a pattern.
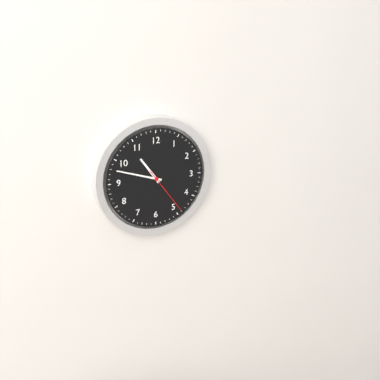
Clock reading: 10.48
